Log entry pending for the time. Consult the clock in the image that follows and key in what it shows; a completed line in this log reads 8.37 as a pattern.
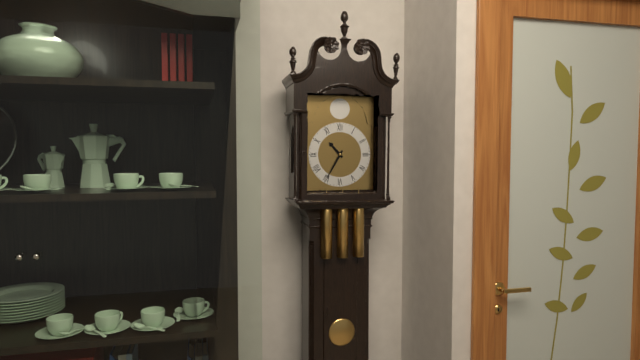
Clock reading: 10.35
